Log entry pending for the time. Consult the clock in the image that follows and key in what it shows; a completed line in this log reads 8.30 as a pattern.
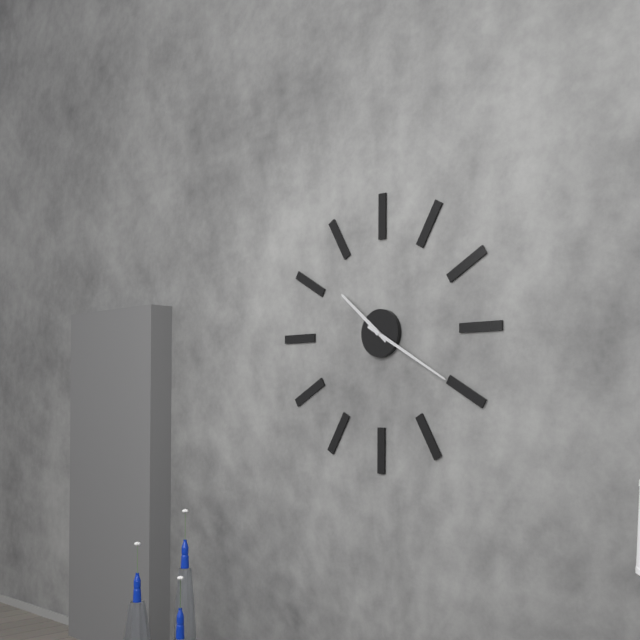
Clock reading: 10.20
